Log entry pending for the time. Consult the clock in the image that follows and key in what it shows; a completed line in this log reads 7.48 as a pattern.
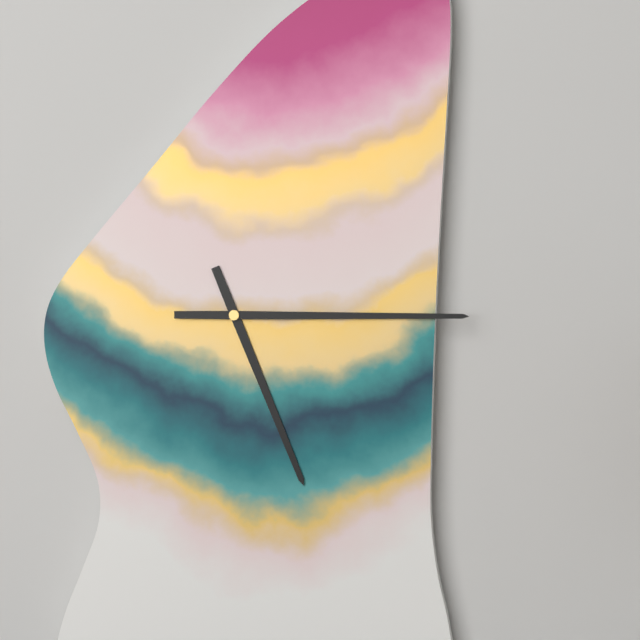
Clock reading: 5.15
